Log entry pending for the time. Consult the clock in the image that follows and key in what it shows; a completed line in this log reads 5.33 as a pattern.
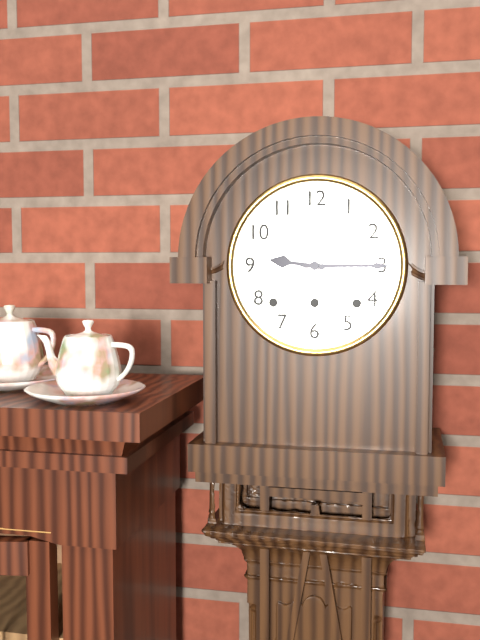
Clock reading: 9.15
